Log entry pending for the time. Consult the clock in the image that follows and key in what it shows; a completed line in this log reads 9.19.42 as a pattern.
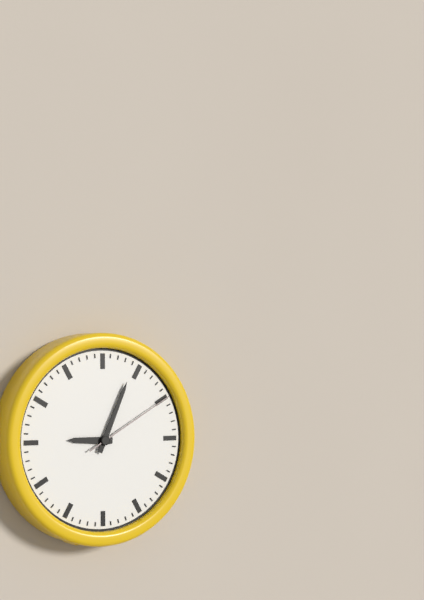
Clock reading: 9.04.10
